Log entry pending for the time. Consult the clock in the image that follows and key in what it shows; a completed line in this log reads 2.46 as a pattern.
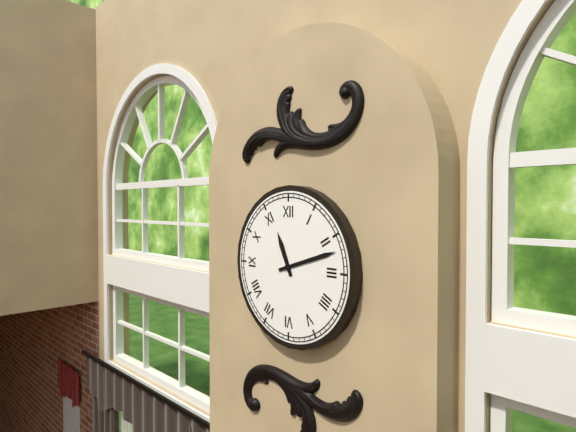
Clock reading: 11.12
